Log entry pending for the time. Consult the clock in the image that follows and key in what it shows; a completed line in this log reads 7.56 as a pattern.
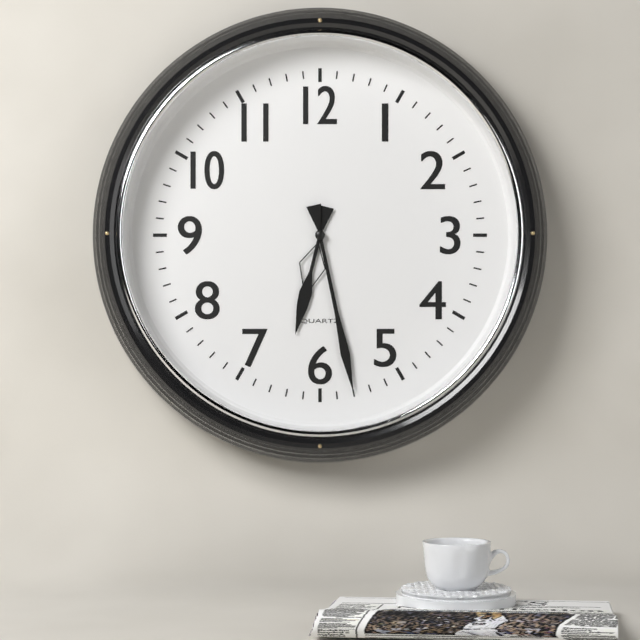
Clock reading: 6.28
